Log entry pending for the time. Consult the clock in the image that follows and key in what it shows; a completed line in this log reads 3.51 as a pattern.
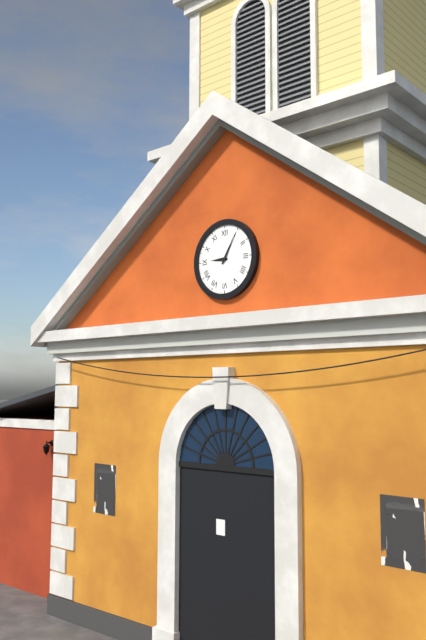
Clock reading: 9.05
